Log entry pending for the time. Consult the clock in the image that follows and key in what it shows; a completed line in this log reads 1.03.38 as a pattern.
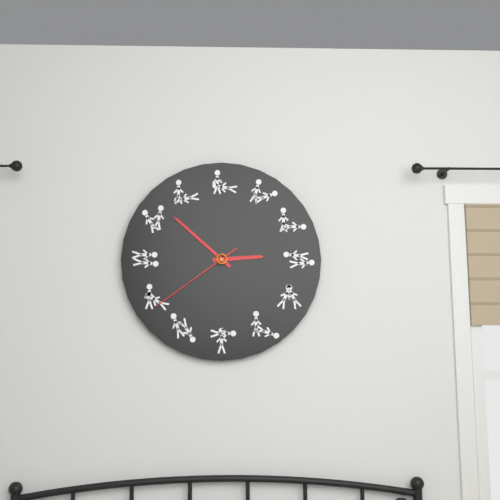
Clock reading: 2.52.39
